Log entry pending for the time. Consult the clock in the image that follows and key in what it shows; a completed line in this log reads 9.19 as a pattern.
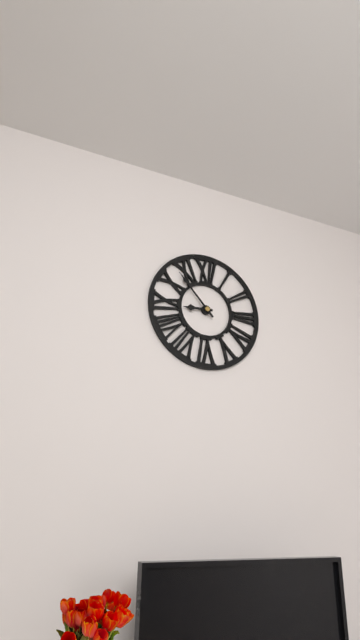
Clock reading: 8.53
